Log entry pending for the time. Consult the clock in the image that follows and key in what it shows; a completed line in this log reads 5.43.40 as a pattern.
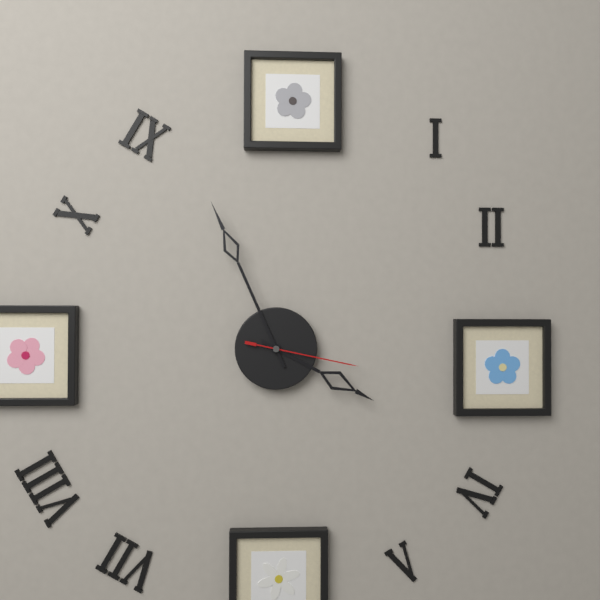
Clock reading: 3.56.17
